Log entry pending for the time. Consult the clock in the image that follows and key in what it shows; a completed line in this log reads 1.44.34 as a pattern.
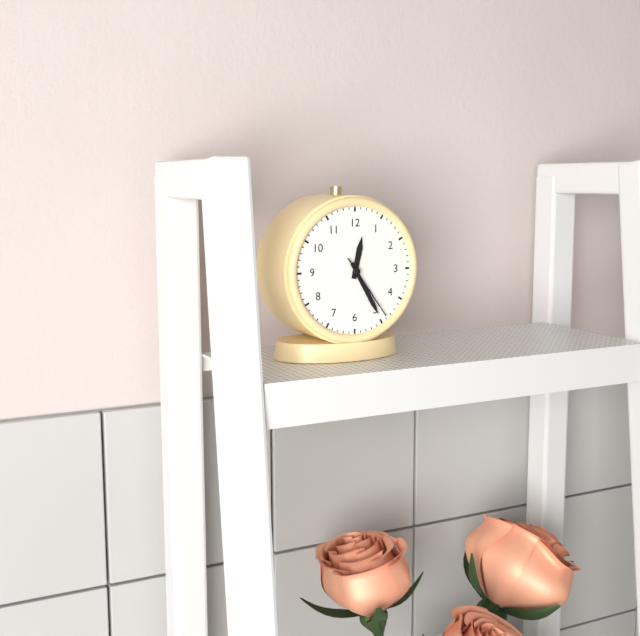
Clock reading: 12.25.24
